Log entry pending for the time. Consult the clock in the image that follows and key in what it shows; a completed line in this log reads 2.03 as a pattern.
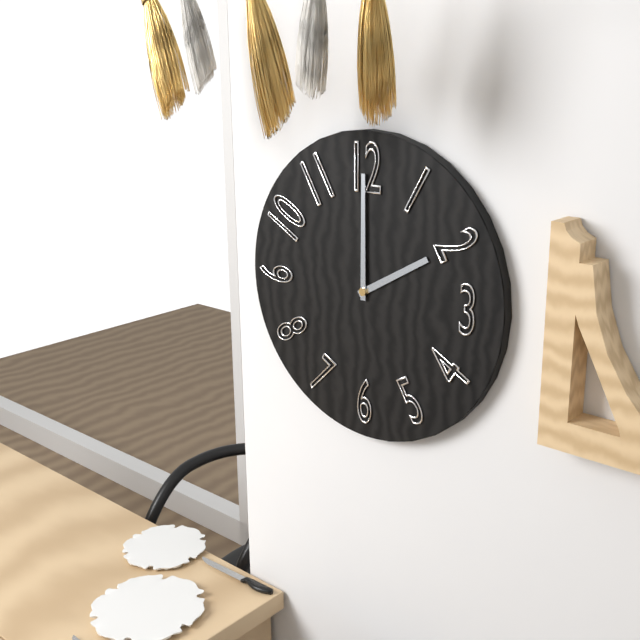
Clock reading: 2.00
